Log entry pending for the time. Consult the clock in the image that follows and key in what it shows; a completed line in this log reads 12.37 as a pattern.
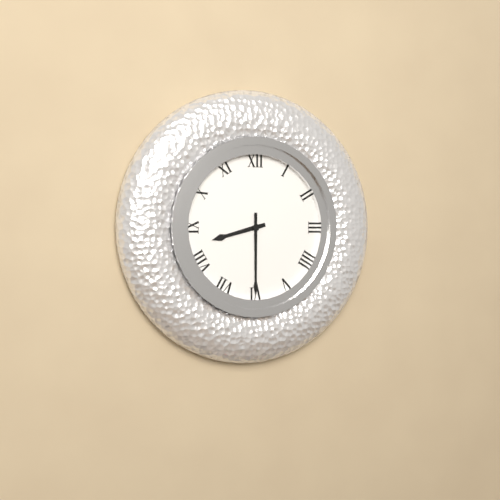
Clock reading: 8.30
